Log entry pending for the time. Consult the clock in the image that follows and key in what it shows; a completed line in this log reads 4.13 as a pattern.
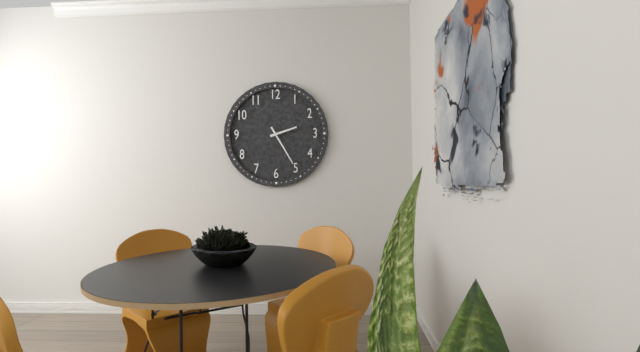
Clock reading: 2.25
